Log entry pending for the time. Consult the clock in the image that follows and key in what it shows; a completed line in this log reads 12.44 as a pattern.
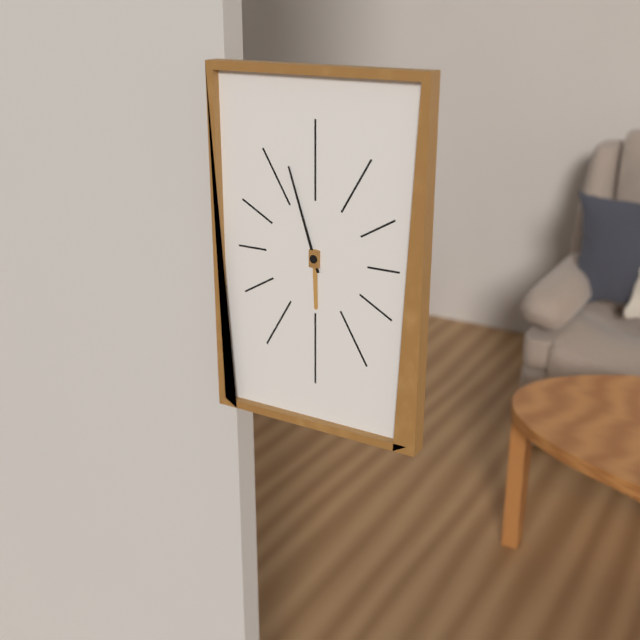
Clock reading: 5.57
